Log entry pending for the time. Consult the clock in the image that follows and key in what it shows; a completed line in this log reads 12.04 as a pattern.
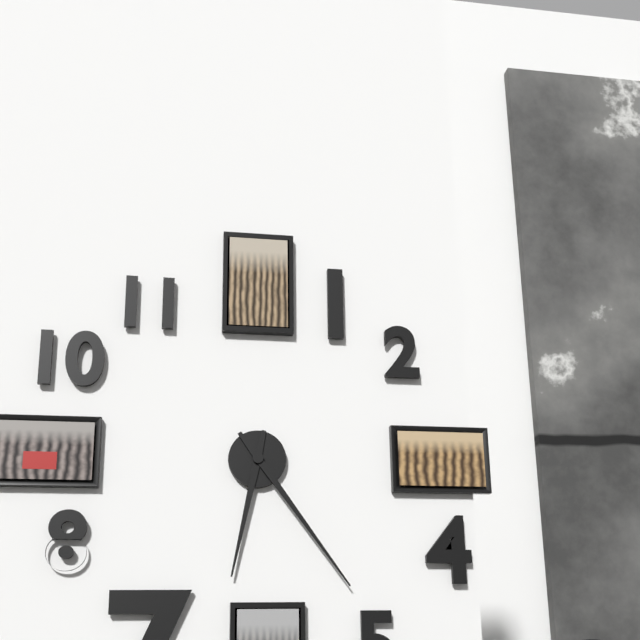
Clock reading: 6.24
